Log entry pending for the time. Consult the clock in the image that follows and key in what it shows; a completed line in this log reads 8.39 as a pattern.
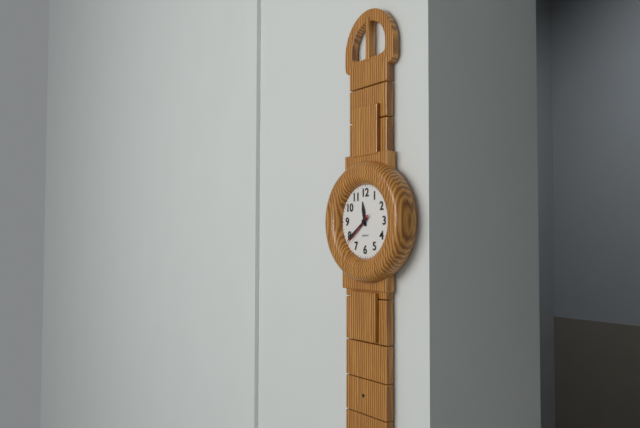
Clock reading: 11.39
